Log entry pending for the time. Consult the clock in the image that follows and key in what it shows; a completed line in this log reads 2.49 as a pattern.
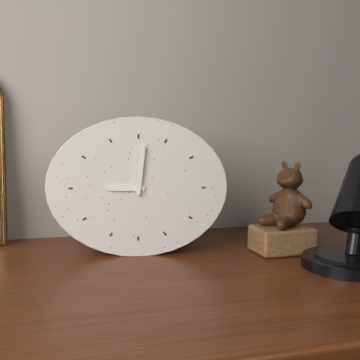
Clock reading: 9.01
